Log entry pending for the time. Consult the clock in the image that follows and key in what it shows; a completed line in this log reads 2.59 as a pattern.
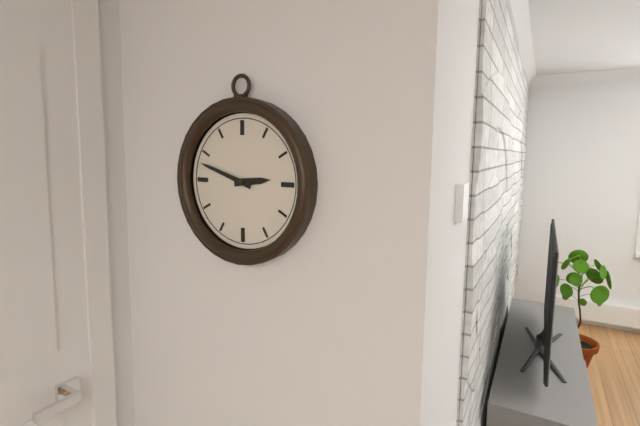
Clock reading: 2.48
